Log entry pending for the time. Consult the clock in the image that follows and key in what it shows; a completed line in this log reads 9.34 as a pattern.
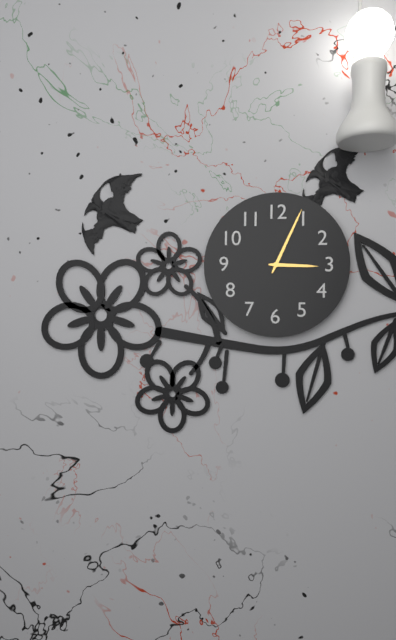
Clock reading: 3.04
